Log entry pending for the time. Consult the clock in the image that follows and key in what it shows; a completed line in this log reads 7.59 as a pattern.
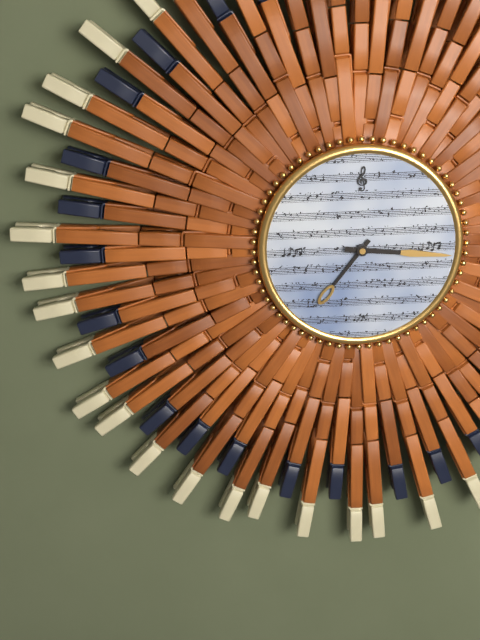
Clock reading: 7.16
